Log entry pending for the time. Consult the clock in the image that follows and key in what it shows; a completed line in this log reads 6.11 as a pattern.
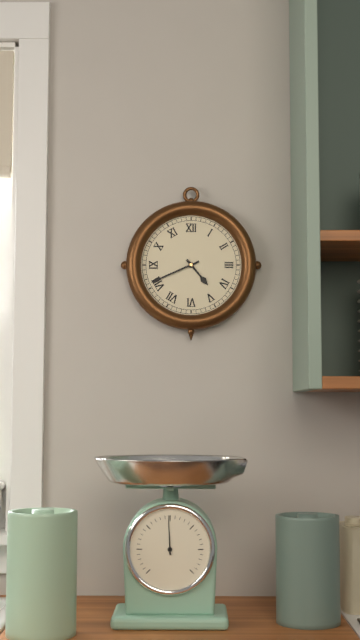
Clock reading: 4.41
